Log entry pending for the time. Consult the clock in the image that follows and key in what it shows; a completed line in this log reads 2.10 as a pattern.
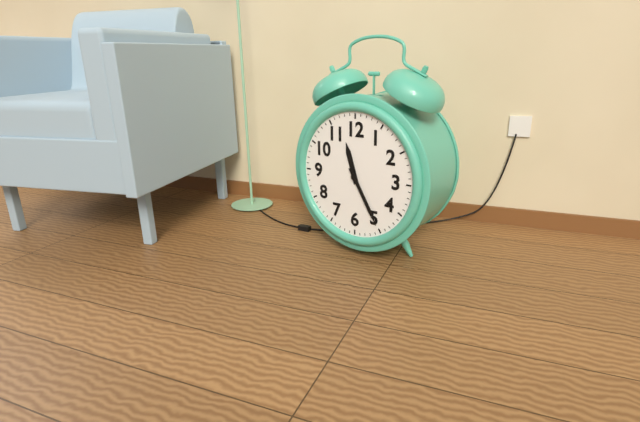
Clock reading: 11.25
